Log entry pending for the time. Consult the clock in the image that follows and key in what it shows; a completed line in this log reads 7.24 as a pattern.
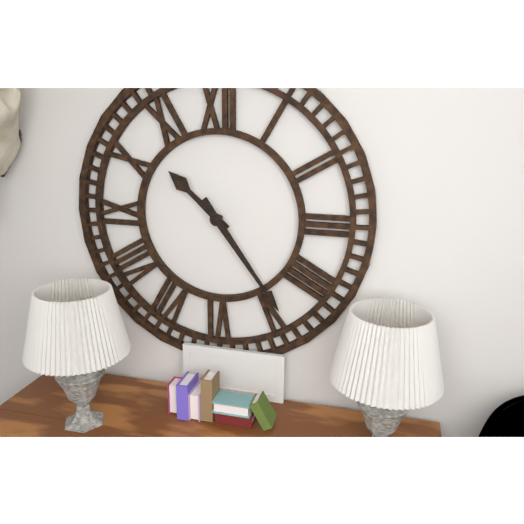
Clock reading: 10.24
